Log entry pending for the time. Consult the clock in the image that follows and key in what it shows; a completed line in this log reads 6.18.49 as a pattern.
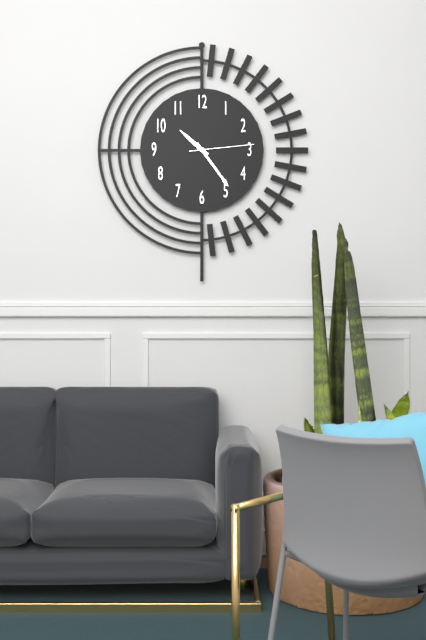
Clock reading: 10.24.14
